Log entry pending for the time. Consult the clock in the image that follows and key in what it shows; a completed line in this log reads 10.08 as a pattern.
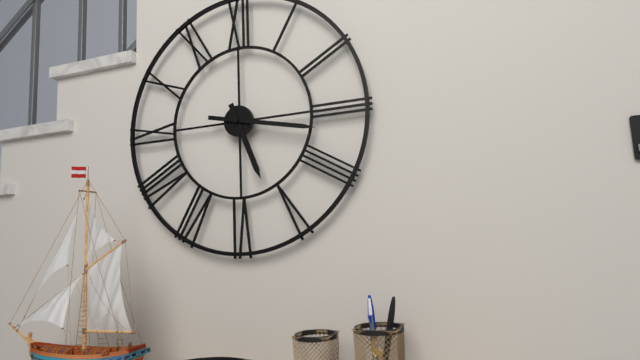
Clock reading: 5.17
